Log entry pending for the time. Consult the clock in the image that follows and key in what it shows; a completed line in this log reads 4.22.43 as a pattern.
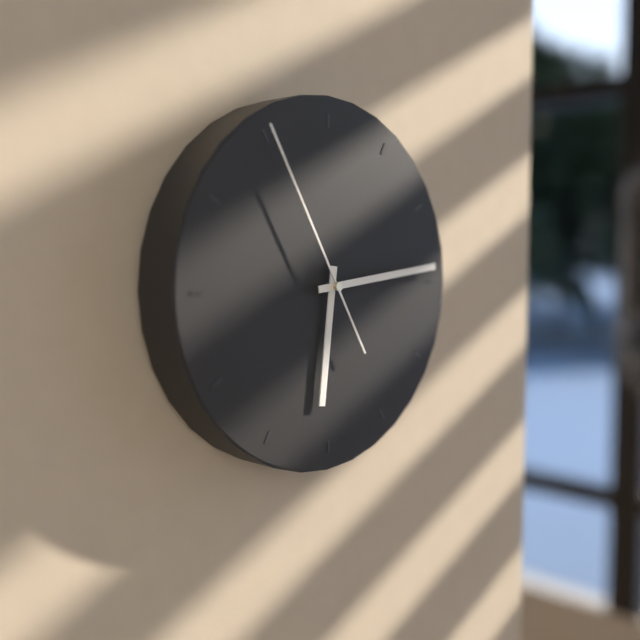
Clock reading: 6.14.55
